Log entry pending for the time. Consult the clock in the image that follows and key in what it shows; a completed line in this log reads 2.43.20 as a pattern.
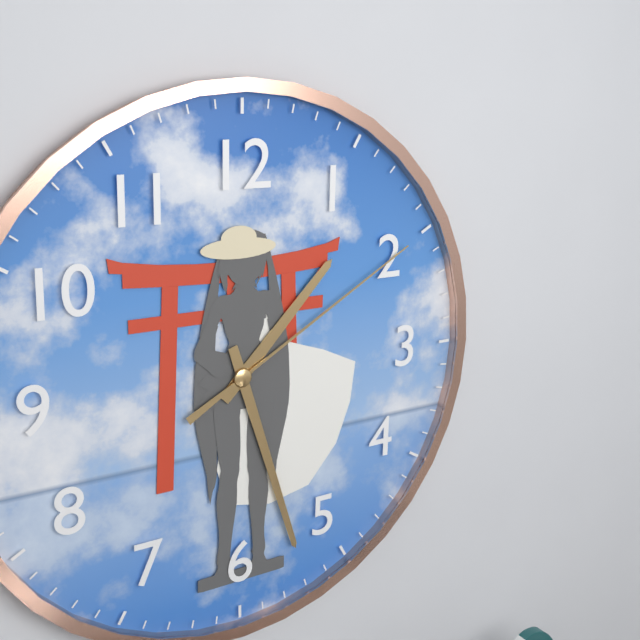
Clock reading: 1.27.10
